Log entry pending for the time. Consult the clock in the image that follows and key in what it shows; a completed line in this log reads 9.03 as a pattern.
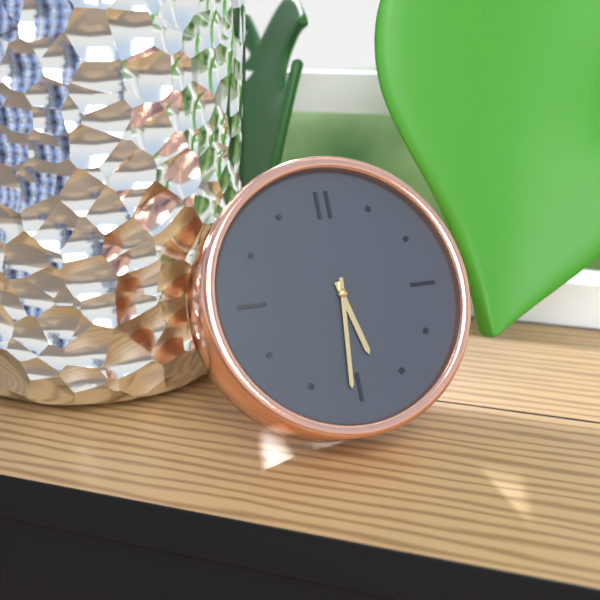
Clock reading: 5.31
